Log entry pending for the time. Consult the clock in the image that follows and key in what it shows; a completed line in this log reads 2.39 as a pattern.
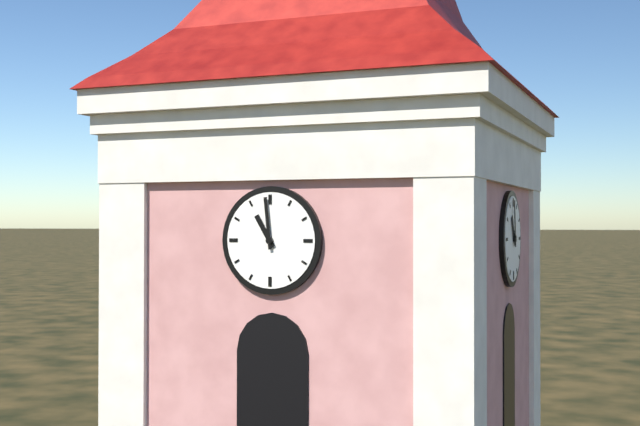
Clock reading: 10.59
